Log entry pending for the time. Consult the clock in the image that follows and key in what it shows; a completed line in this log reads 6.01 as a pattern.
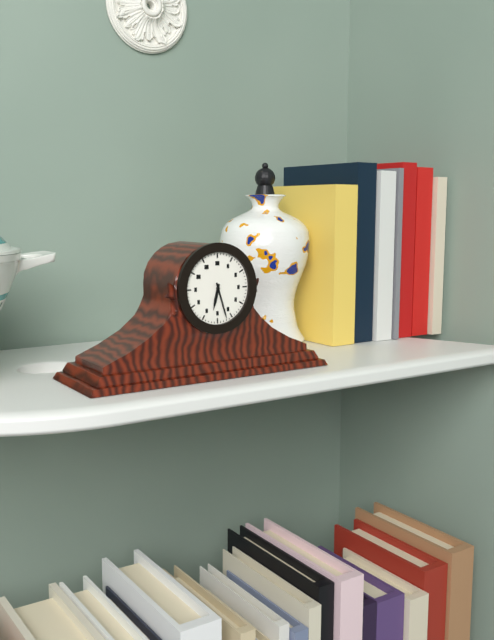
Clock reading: 6.27
